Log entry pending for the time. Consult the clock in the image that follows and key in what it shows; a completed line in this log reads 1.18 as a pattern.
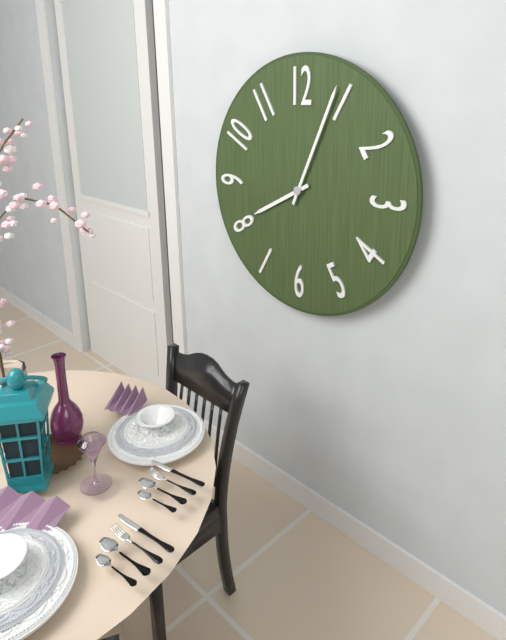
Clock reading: 8.04
